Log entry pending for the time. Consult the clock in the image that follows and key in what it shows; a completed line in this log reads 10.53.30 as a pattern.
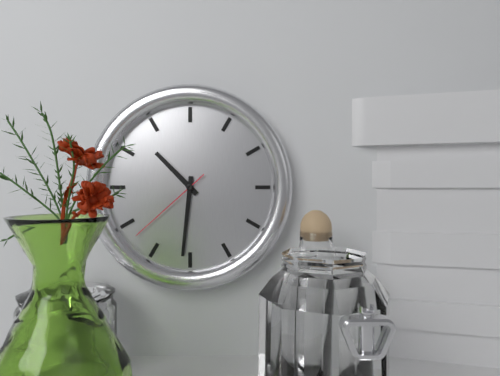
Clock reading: 10.31.38
